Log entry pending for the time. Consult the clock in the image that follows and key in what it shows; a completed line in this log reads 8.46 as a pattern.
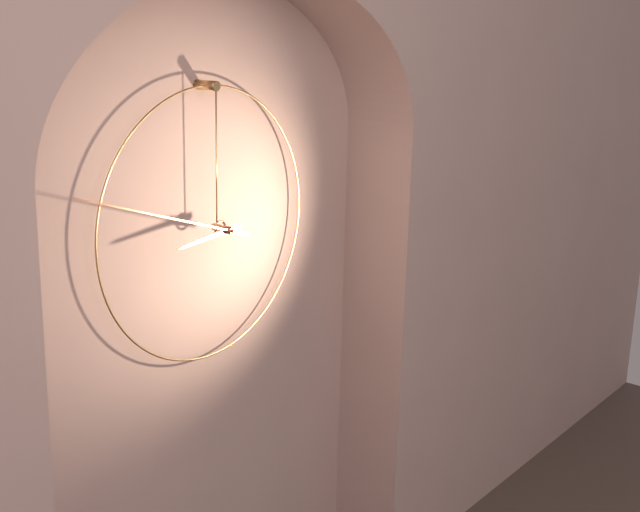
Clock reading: 8.48
